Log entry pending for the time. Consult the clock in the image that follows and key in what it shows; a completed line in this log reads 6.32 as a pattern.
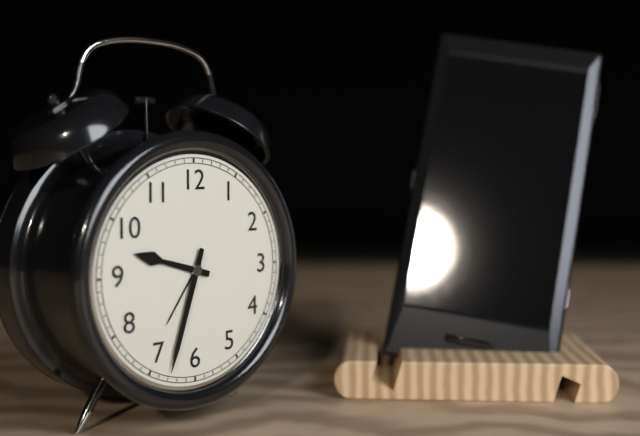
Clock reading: 9.33
